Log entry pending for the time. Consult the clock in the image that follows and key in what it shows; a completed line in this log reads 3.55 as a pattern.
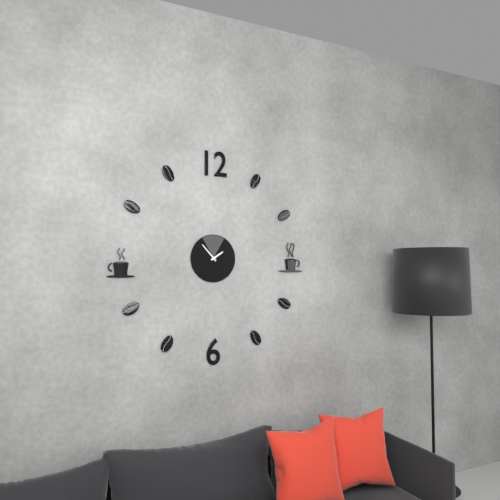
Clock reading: 1.53
